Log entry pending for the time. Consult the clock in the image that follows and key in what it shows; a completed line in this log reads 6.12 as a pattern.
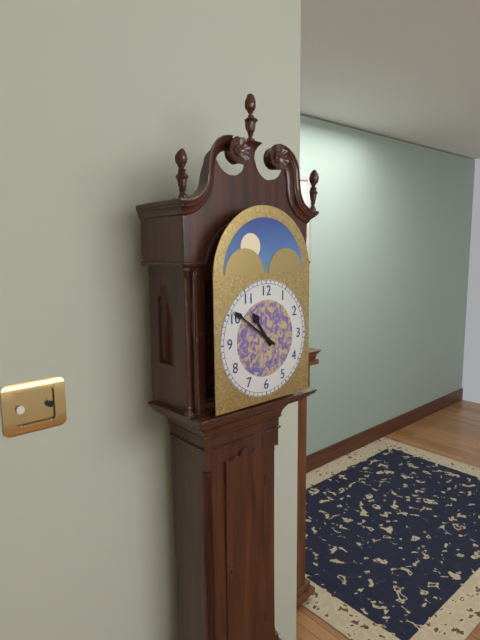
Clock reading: 10.51
